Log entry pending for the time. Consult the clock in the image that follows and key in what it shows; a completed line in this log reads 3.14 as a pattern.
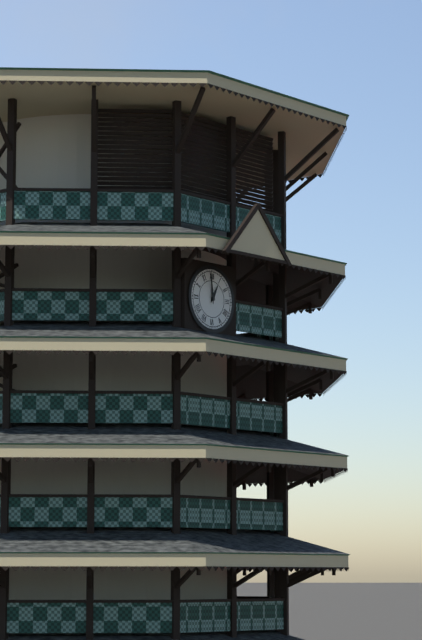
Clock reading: 12.59
